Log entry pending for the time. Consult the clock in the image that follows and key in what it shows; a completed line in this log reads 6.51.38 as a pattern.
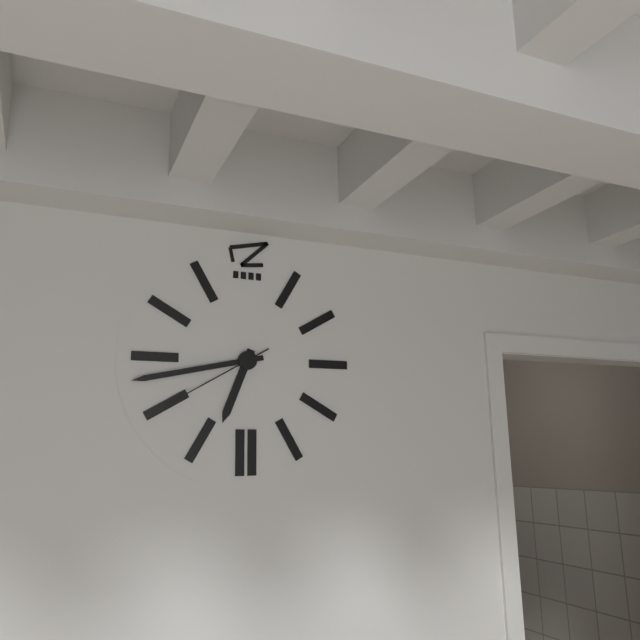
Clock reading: 6.43.40
